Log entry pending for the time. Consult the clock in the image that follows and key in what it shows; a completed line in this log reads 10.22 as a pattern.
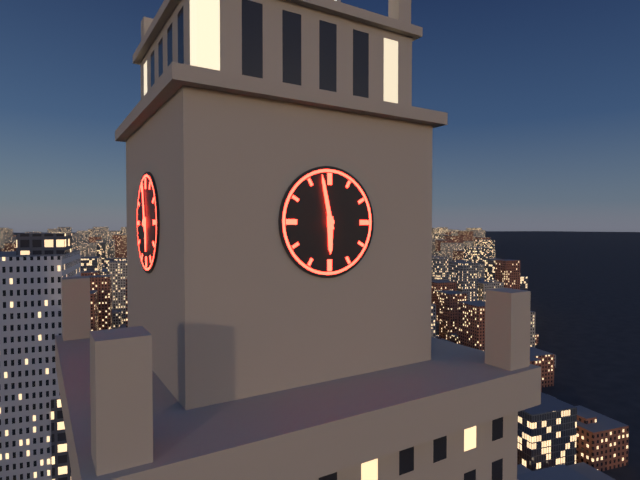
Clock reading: 5.58
